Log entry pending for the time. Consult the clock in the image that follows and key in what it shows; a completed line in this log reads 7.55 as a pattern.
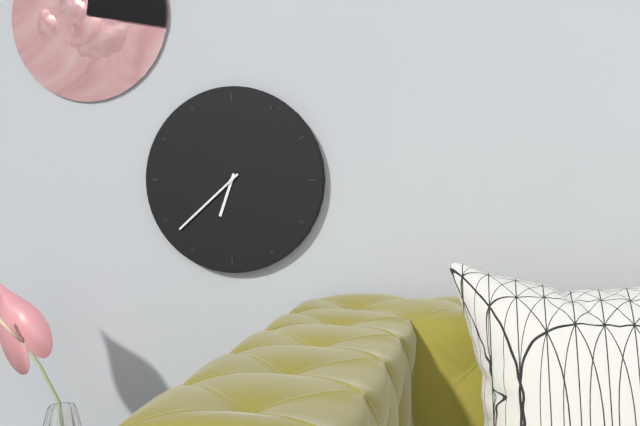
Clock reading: 6.38
